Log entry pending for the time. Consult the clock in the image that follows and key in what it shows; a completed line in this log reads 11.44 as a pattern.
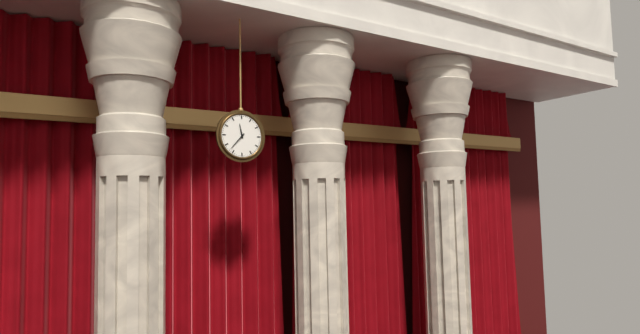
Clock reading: 11.37
